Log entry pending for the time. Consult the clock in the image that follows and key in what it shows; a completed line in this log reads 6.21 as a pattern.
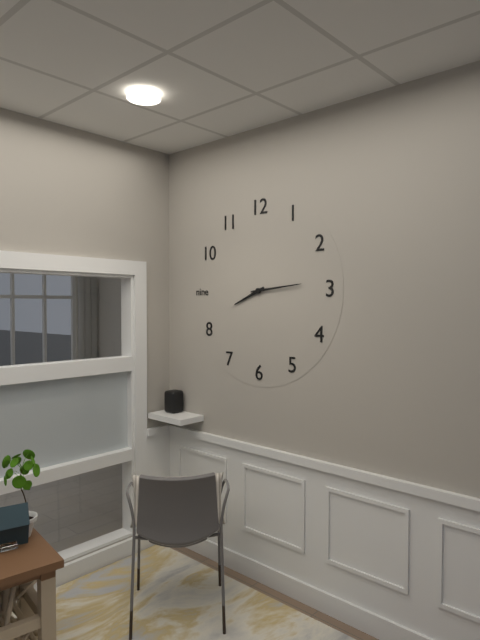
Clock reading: 8.14
